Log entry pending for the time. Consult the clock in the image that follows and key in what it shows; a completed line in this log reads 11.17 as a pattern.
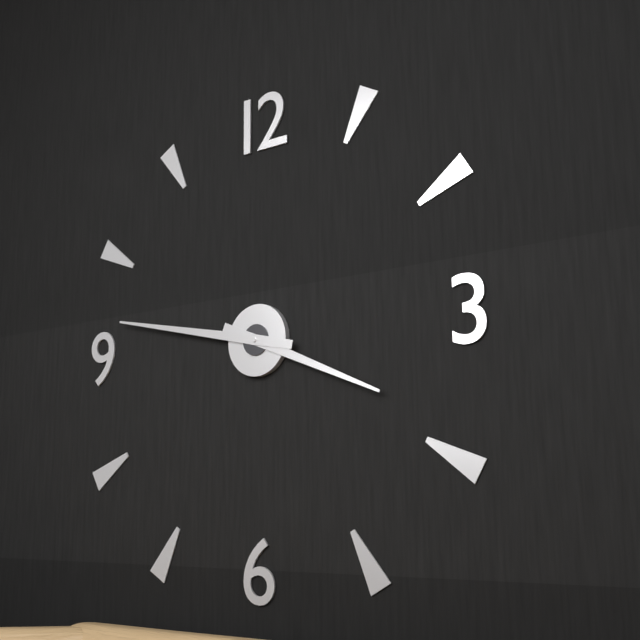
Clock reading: 3.47
